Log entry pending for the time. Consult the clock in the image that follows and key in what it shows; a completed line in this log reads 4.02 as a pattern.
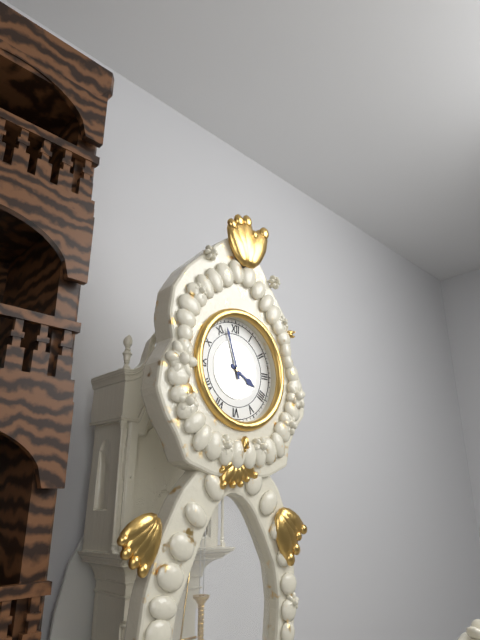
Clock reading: 3.57
